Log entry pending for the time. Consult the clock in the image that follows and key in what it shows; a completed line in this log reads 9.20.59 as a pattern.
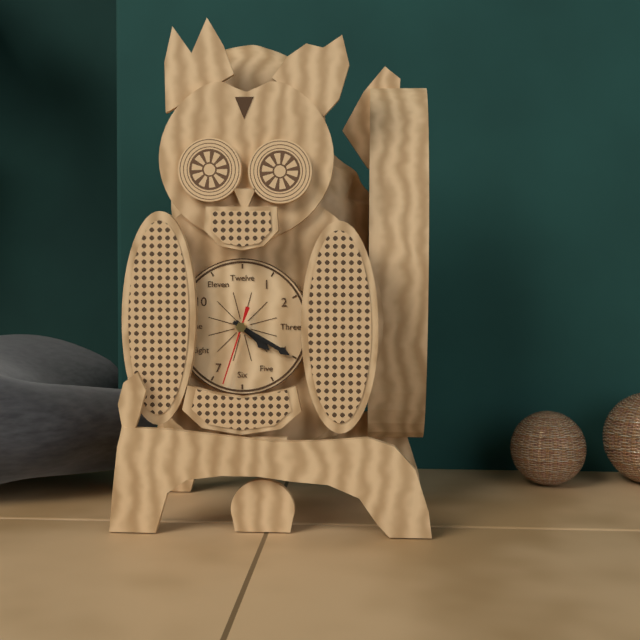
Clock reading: 4.20.33
